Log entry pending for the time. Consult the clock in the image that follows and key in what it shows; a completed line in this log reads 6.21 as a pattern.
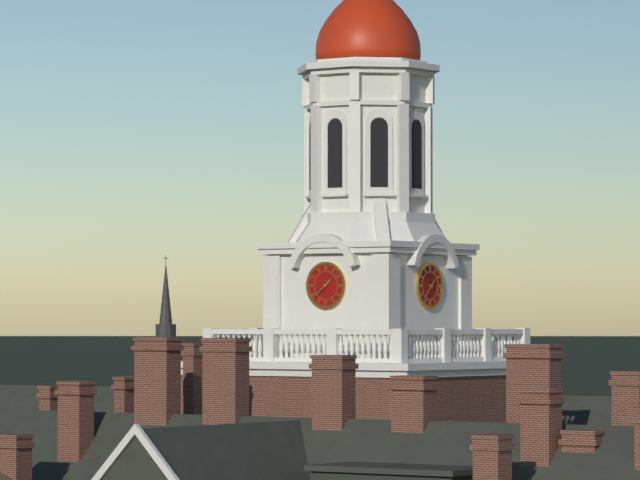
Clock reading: 1.38
